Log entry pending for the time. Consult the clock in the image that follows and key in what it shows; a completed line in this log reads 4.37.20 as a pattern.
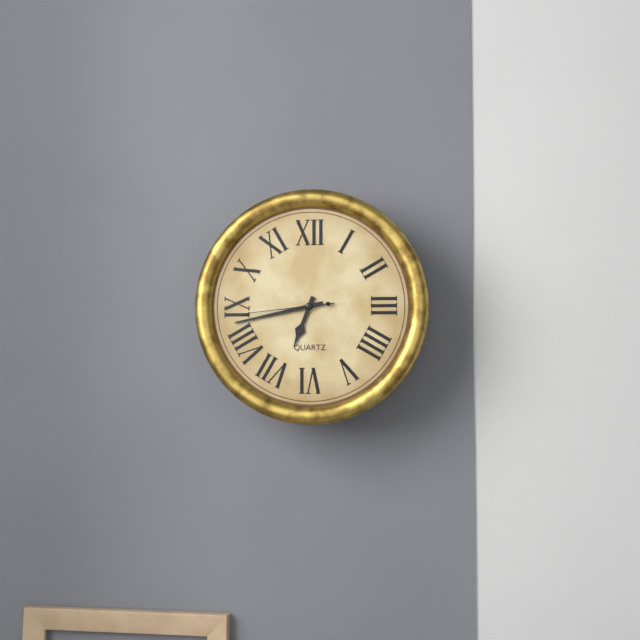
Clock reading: 6.43.44
